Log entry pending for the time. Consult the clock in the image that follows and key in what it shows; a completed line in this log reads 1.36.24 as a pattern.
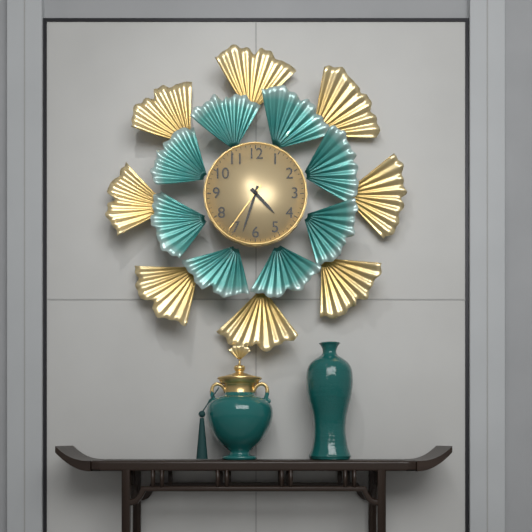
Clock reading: 4.33.36
